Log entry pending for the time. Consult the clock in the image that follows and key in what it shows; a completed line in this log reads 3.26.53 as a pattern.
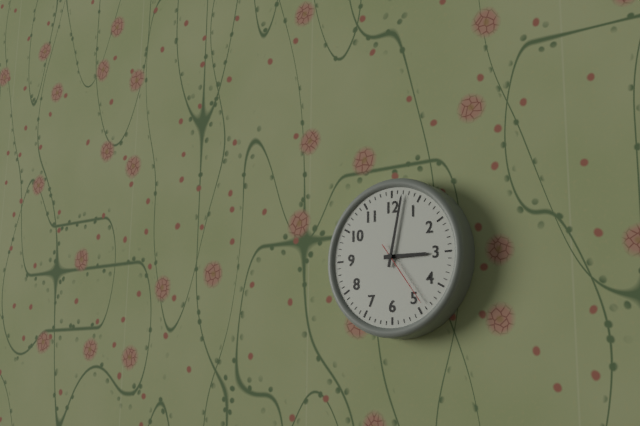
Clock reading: 3.02.24
